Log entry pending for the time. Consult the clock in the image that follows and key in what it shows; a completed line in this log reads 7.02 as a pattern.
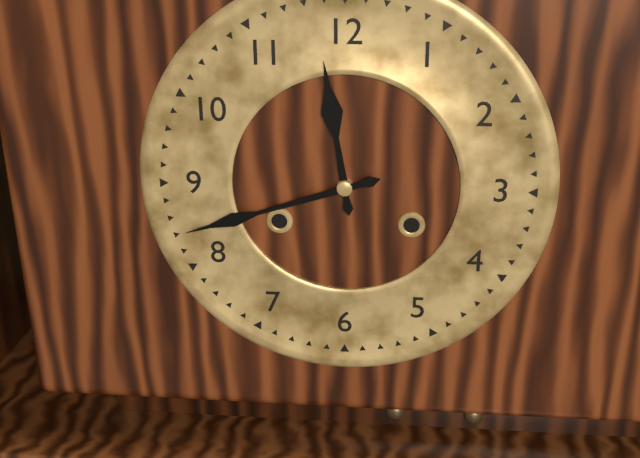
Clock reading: 11.42
